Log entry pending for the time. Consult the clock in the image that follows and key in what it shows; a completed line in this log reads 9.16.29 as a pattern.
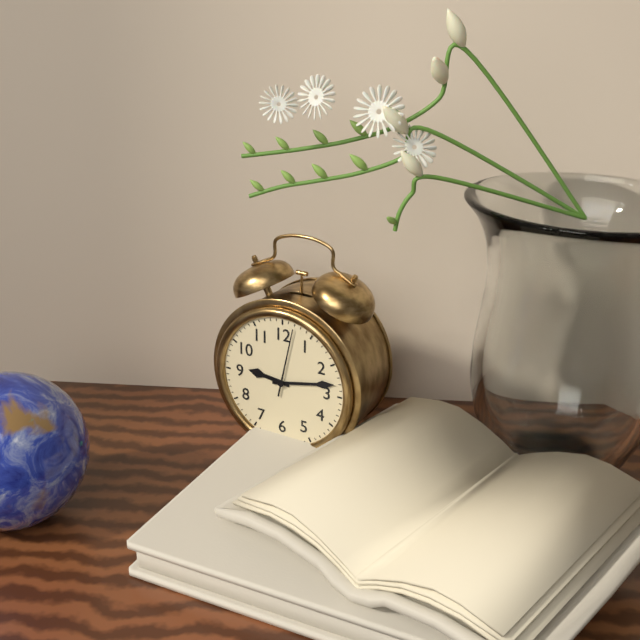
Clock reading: 9.13.02
